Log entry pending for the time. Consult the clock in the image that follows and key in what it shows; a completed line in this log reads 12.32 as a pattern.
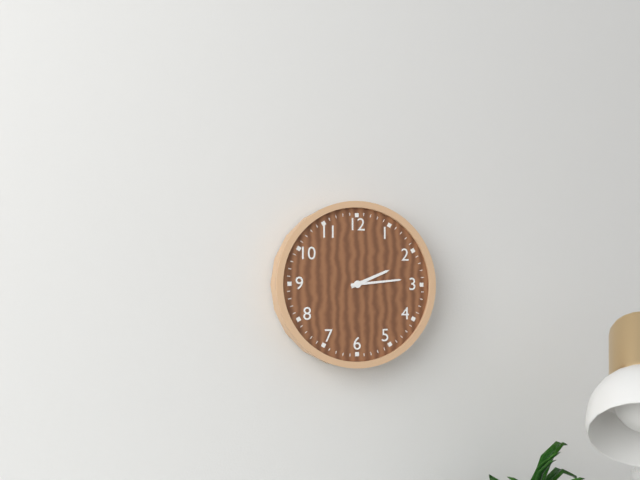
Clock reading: 2.14
